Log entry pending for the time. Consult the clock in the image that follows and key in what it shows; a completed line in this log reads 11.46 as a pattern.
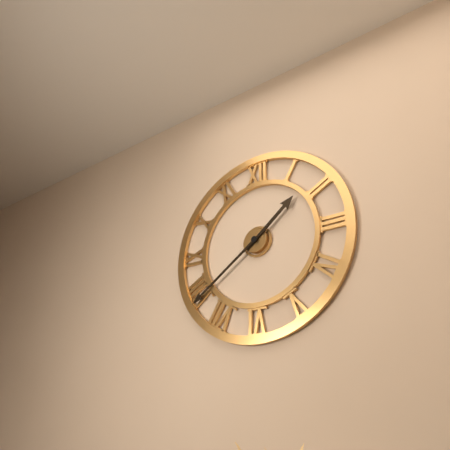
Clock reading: 1.39
